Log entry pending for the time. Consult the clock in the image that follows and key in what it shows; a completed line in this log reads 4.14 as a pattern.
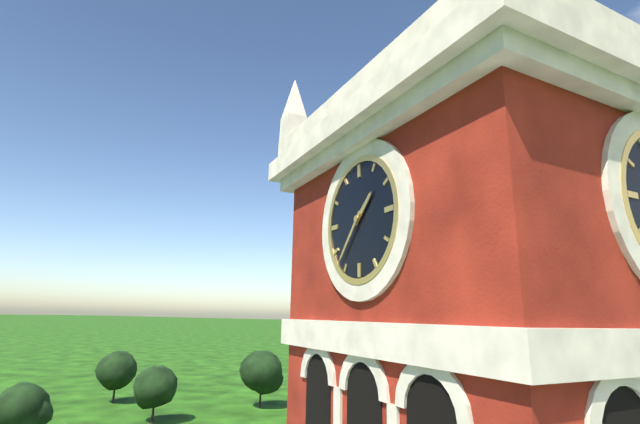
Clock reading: 1.37
